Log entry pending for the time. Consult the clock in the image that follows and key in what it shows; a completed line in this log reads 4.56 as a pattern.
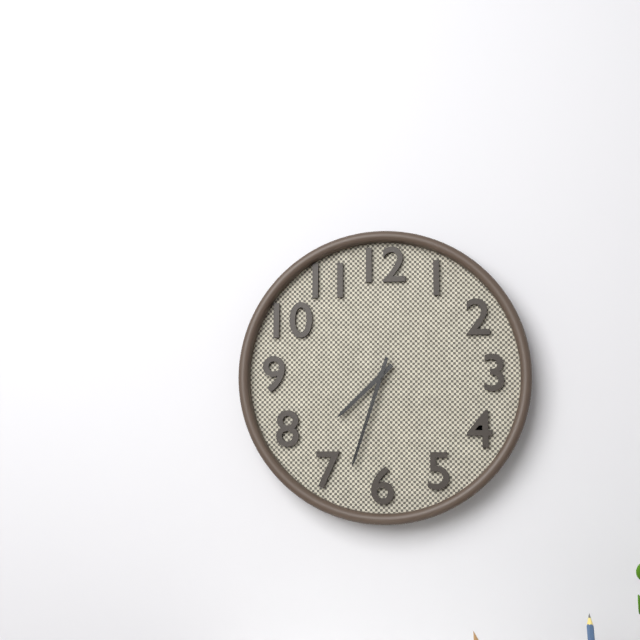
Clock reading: 7.33
